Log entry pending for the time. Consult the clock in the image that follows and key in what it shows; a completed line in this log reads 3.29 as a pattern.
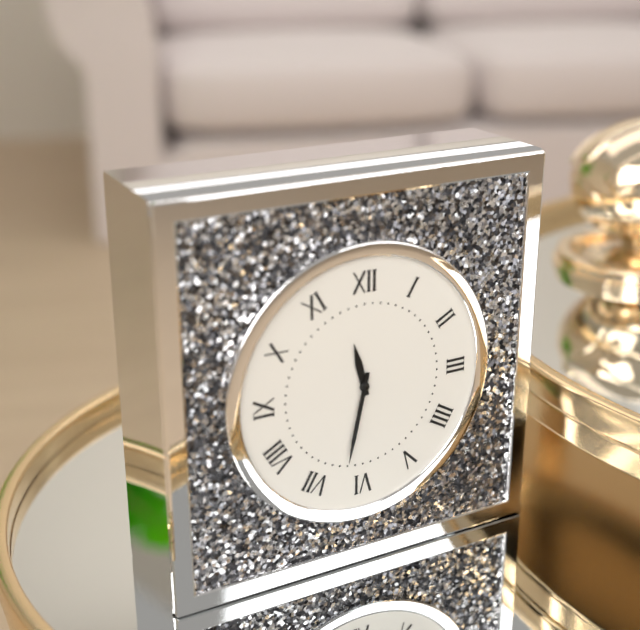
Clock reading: 11.32
